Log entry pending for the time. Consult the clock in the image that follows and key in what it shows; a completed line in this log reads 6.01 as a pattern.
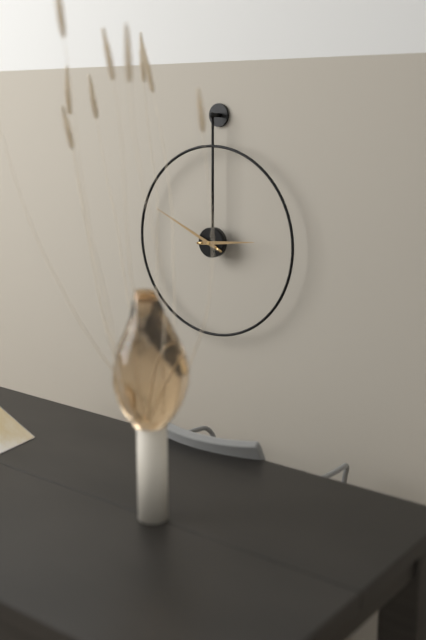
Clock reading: 2.49
